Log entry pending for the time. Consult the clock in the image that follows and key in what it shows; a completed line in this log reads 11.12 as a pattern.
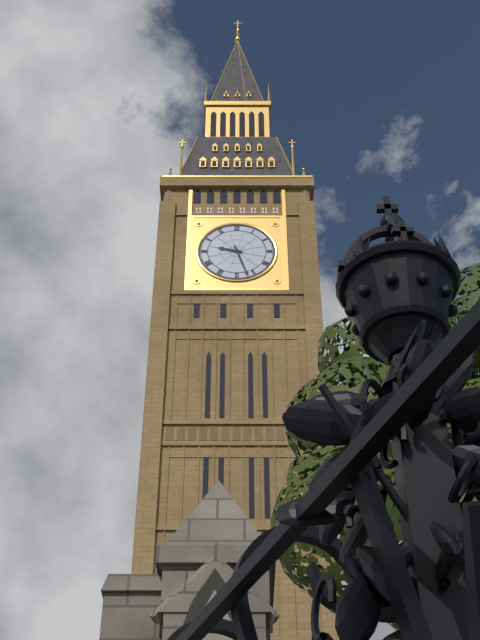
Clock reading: 9.27
